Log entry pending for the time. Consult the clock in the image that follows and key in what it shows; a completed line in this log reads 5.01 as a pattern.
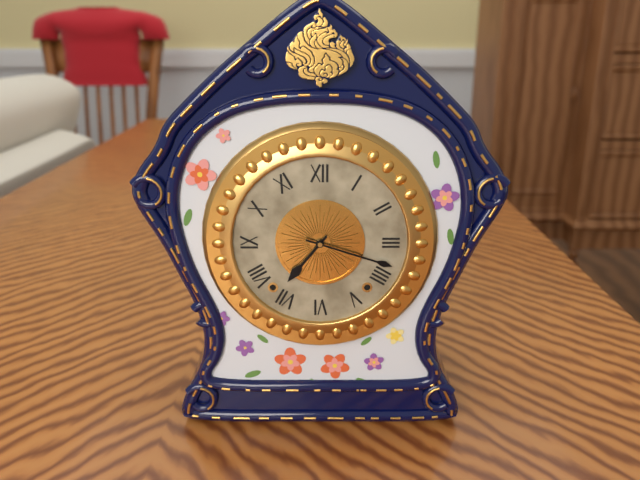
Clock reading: 7.18
